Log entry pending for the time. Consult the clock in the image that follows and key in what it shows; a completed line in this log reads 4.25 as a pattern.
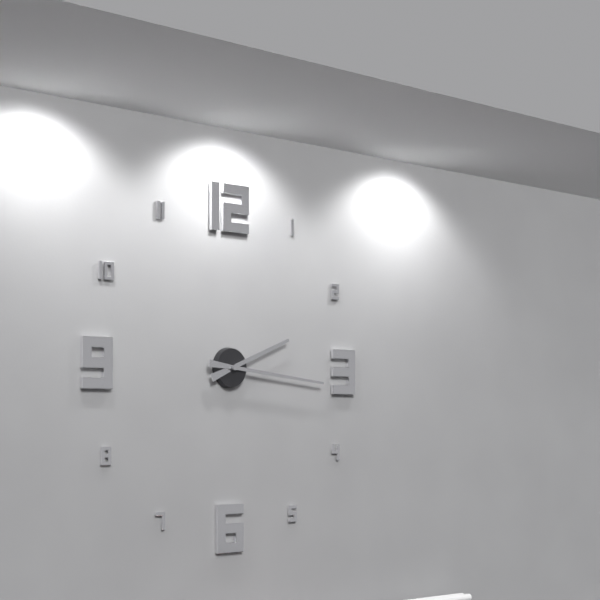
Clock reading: 2.16
